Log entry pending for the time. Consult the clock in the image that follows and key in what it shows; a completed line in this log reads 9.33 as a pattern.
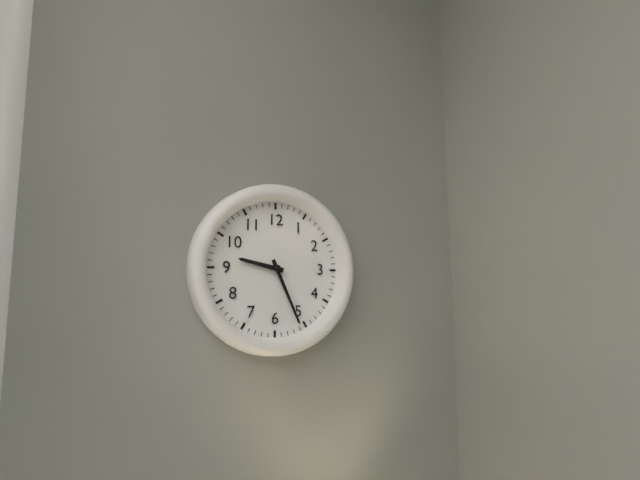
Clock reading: 9.26
